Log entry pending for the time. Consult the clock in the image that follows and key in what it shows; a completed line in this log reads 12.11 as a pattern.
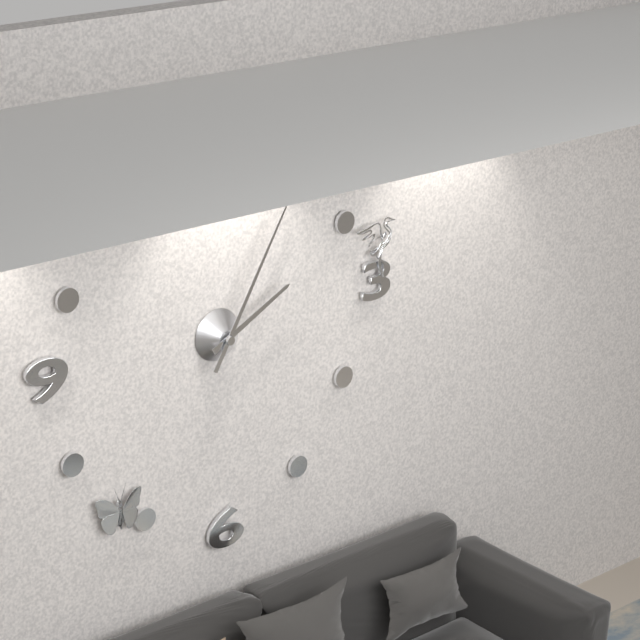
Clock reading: 2.05
